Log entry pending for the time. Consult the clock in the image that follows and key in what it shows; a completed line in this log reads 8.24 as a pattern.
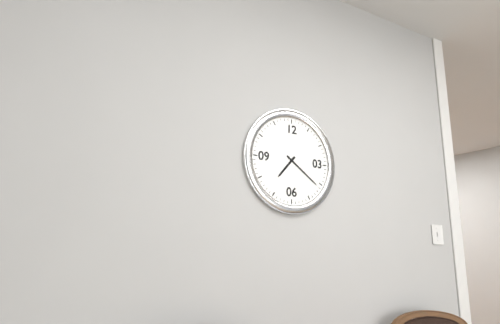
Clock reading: 7.21
